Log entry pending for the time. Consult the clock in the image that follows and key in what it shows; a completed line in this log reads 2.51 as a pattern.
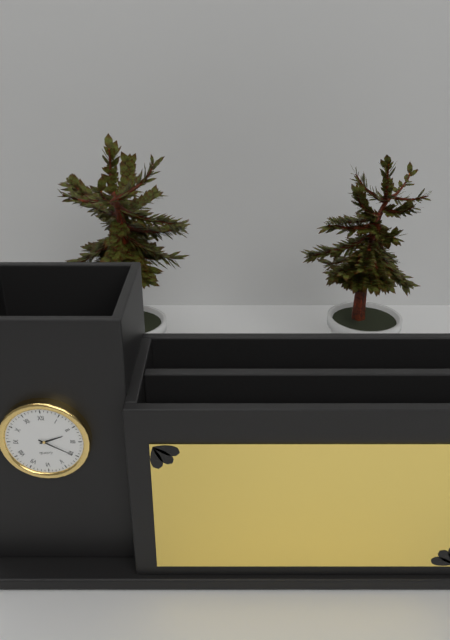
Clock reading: 2.20
